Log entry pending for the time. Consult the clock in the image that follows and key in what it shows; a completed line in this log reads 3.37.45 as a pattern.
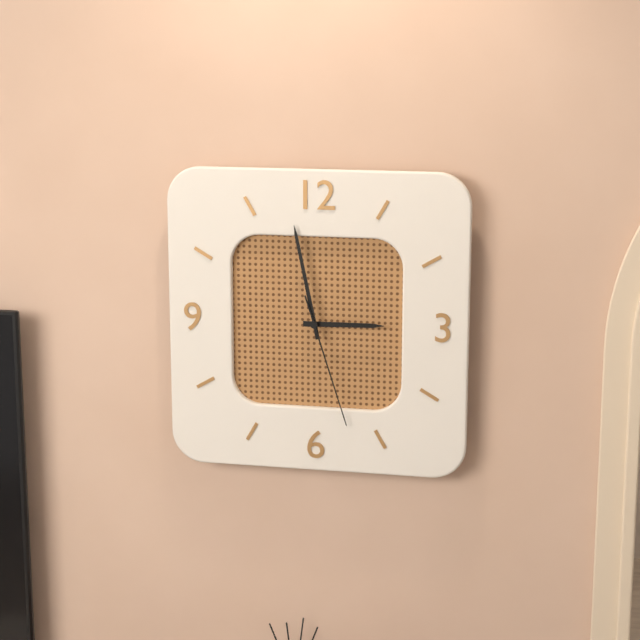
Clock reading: 2.58.27
